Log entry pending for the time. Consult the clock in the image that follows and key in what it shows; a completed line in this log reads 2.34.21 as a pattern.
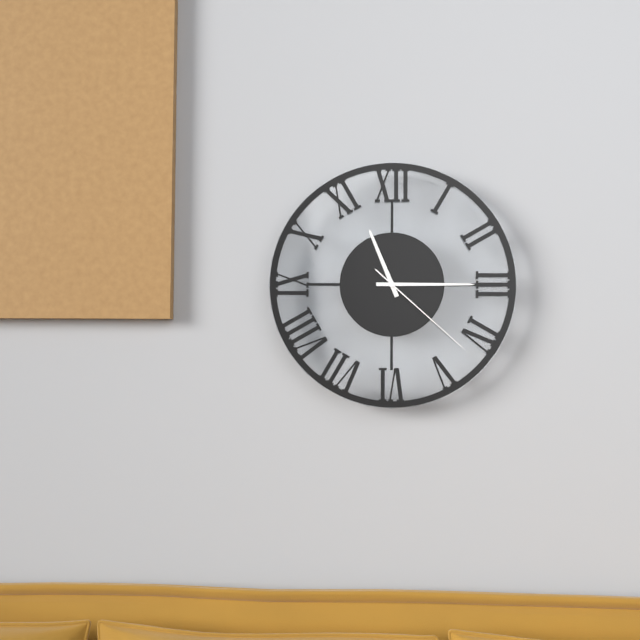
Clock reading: 11.15.22
